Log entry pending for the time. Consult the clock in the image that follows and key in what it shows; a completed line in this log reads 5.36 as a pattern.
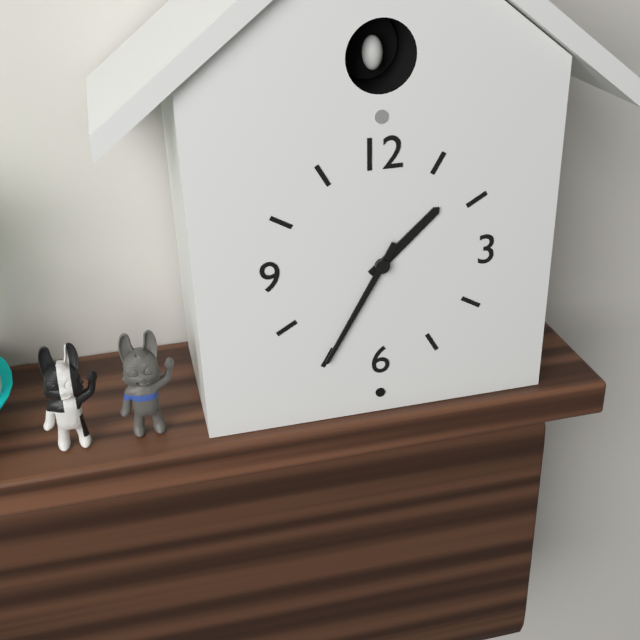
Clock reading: 1.35
